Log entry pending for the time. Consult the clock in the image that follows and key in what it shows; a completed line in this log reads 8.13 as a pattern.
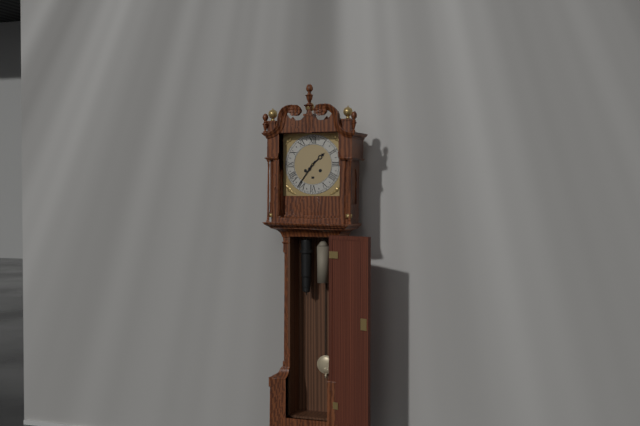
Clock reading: 1.36
